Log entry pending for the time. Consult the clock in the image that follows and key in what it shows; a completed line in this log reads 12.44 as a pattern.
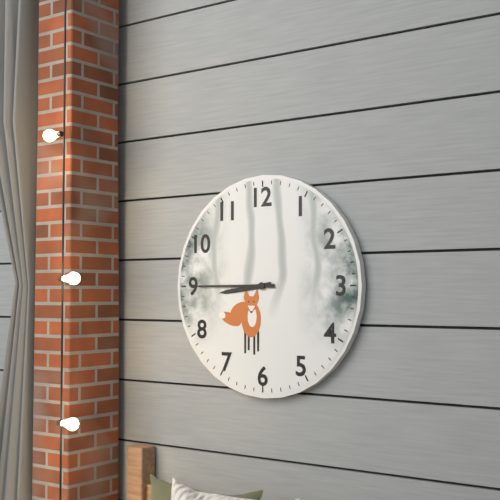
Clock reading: 8.45
